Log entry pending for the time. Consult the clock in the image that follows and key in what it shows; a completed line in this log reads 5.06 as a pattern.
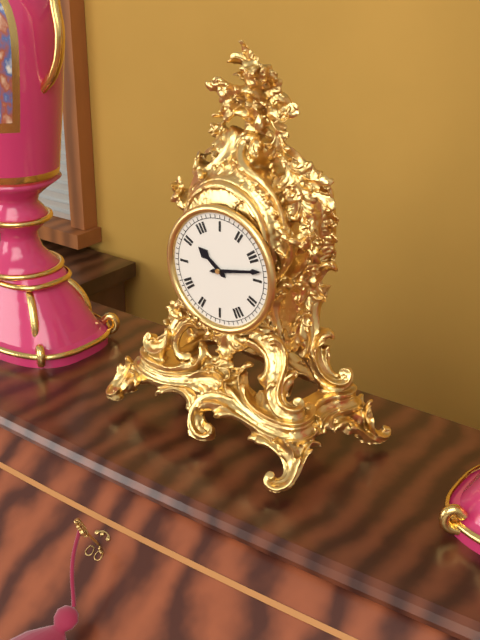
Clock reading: 10.13
